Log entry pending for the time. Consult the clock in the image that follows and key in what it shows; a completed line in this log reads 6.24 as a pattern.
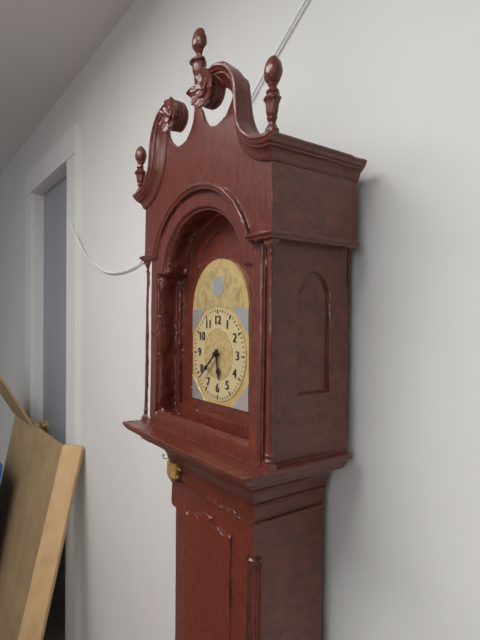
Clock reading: 5.38
